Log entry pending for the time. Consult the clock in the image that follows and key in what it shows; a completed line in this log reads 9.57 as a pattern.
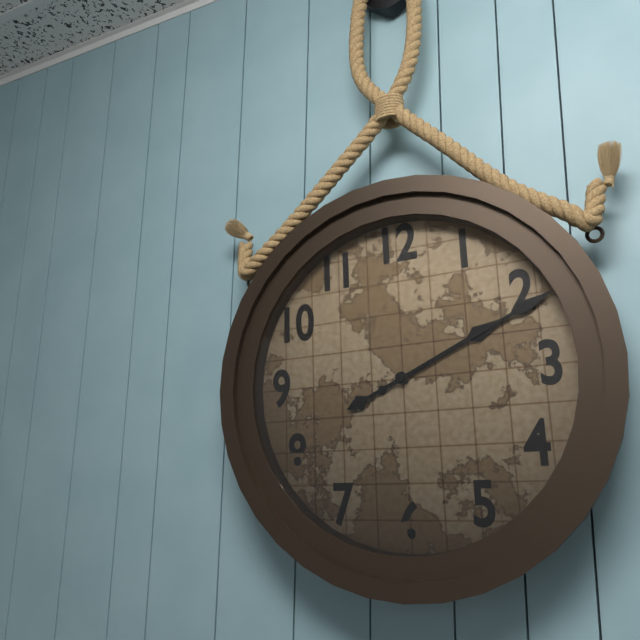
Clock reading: 2.11
